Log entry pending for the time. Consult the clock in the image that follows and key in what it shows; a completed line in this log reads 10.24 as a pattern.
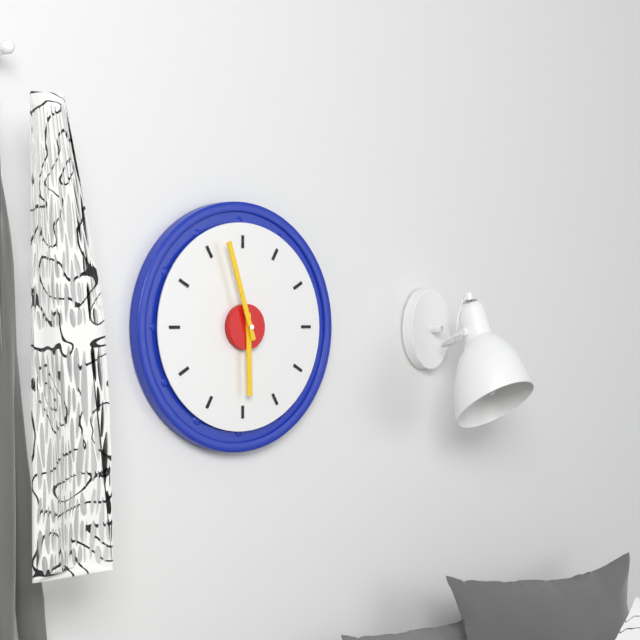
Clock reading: 5.57
